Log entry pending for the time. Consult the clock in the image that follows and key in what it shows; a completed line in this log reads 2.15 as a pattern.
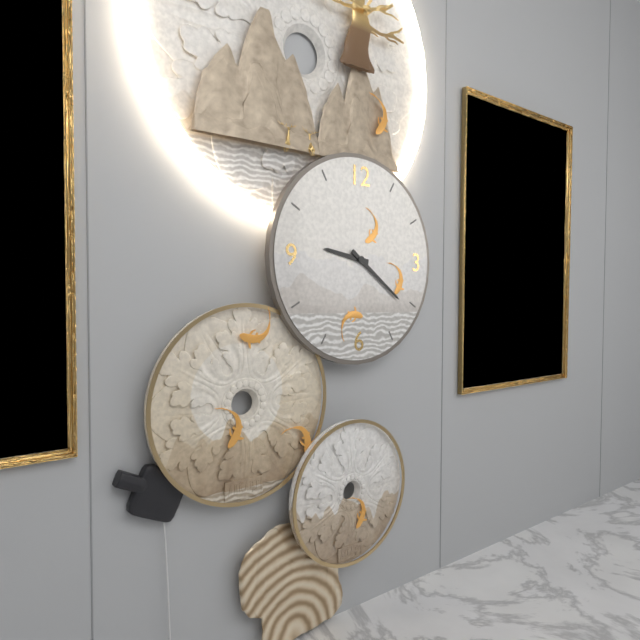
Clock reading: 9.21
